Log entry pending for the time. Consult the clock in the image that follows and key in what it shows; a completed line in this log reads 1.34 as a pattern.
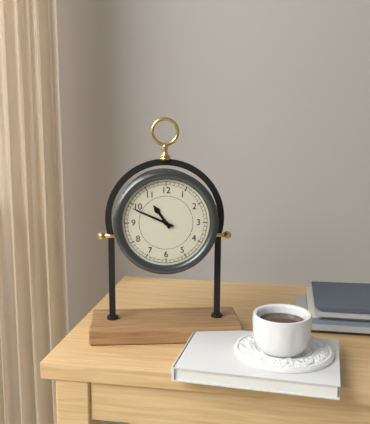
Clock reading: 10.49
